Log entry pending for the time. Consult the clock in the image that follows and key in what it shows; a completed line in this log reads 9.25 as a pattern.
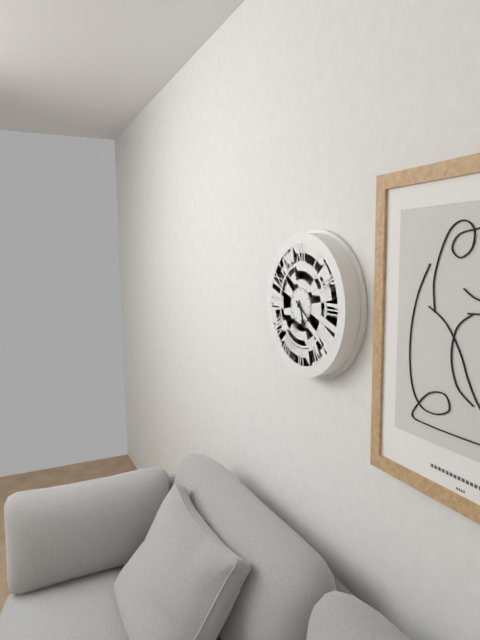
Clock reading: 5.21
